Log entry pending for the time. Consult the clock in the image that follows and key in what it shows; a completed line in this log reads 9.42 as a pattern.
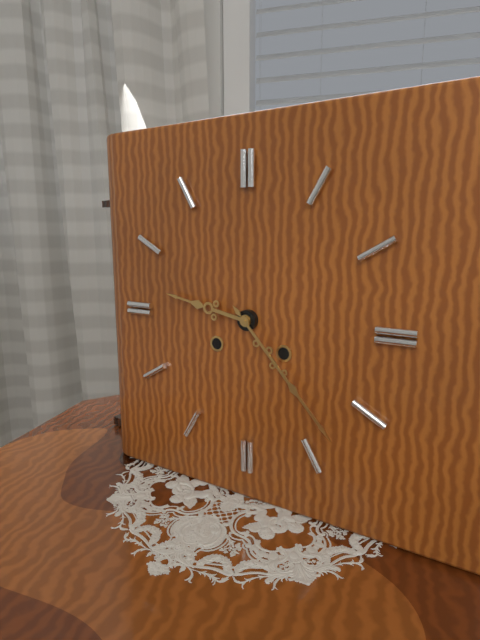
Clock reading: 9.23
